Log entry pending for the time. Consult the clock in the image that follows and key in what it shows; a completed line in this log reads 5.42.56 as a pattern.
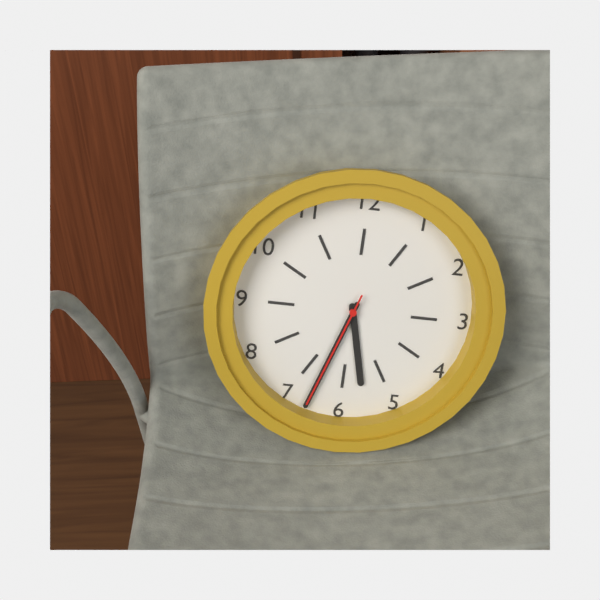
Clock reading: 5.33.33
